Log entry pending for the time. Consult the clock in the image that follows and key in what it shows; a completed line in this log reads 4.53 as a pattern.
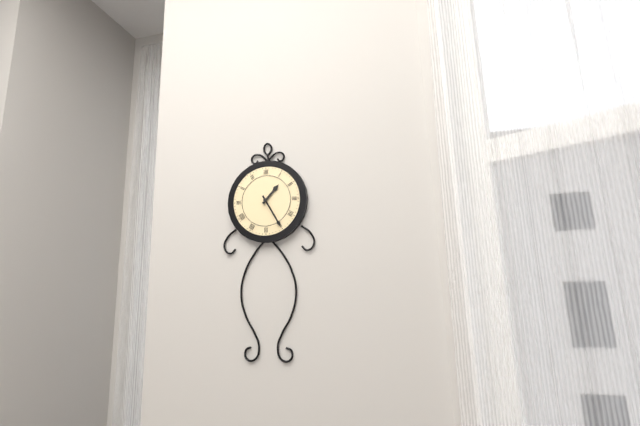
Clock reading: 1.25
